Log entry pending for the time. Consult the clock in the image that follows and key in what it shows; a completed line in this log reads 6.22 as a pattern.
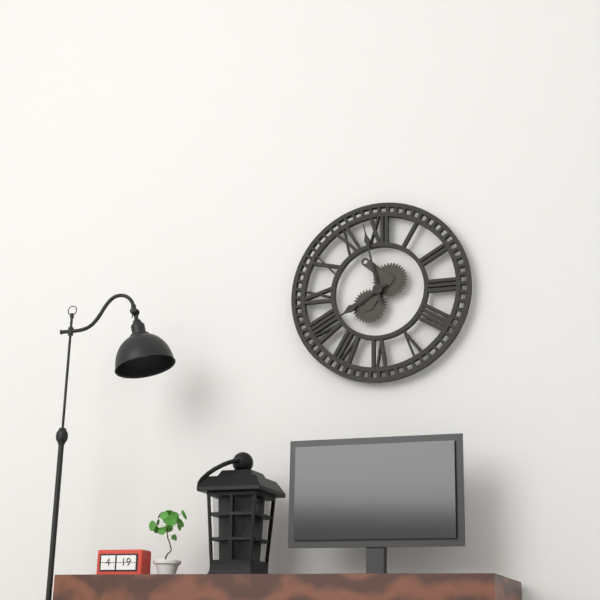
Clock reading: 7.58
